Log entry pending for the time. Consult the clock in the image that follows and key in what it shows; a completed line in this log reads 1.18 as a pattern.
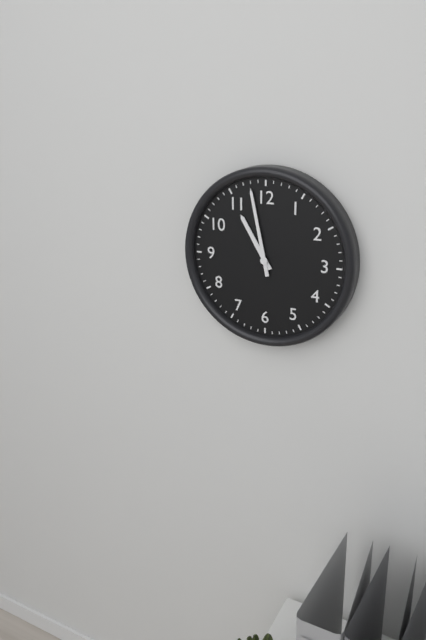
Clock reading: 10.58
